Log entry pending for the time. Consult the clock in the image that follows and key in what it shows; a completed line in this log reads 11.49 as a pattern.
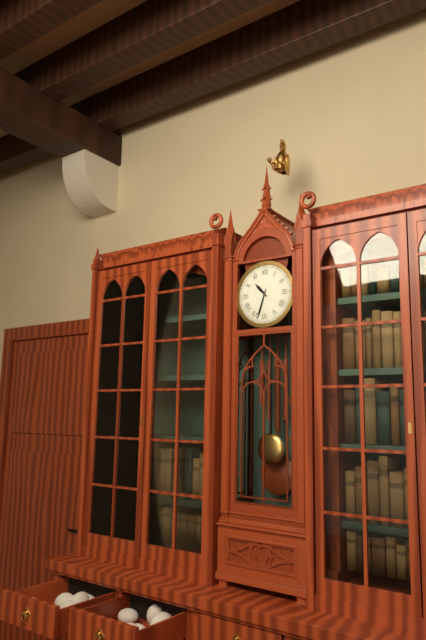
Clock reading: 10.33
